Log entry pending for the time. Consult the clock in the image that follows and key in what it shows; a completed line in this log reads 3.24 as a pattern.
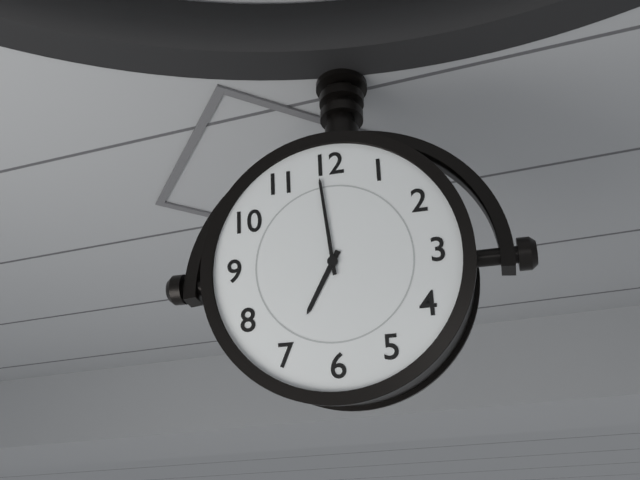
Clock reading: 6.59
